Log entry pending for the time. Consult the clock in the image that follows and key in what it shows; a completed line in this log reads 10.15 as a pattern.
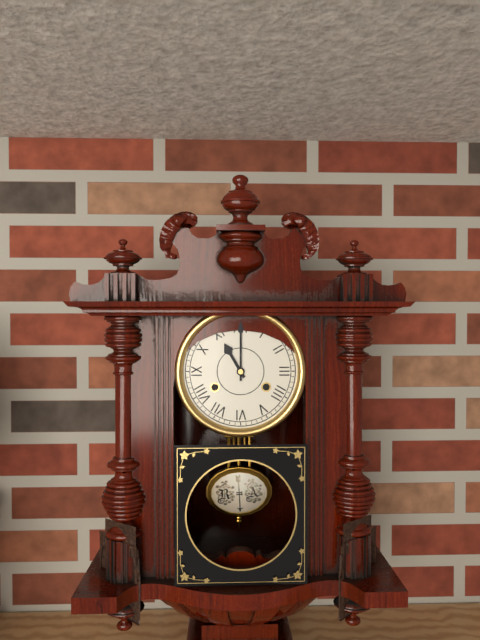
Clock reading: 11.00
